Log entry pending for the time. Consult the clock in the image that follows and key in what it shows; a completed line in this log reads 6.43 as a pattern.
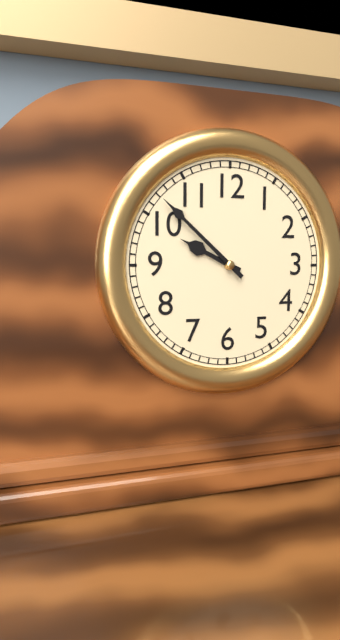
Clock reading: 9.52
